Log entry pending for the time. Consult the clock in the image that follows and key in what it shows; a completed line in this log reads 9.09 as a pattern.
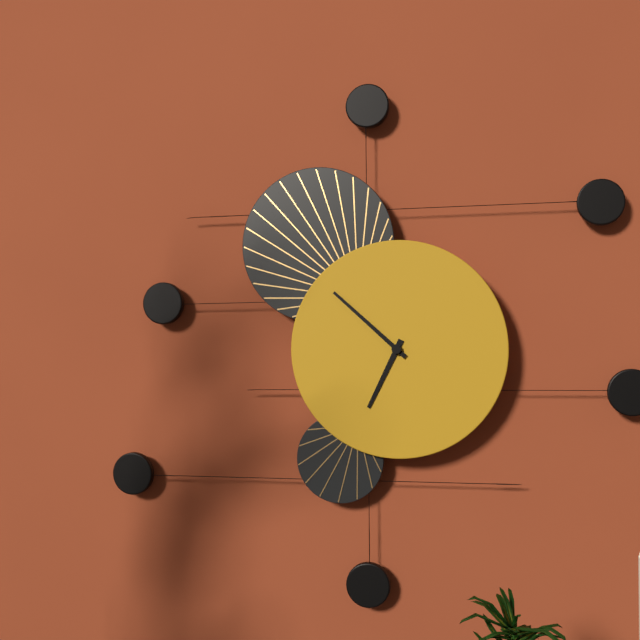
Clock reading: 6.52
